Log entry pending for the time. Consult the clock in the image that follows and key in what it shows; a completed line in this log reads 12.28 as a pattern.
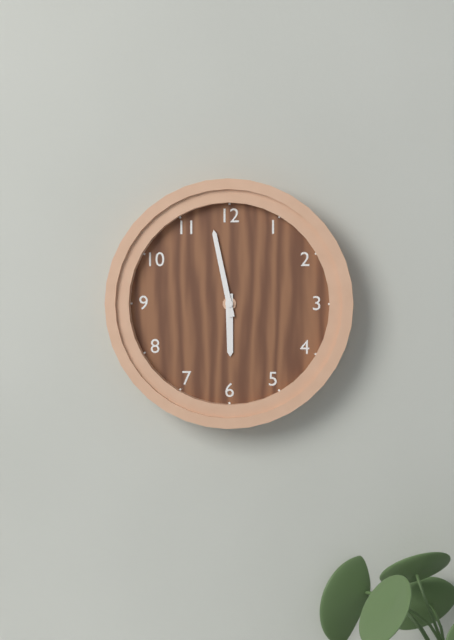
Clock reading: 5.58
